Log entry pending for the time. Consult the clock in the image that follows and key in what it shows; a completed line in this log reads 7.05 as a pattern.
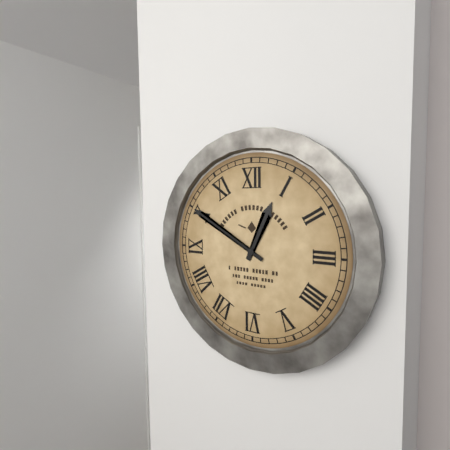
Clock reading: 12.50
